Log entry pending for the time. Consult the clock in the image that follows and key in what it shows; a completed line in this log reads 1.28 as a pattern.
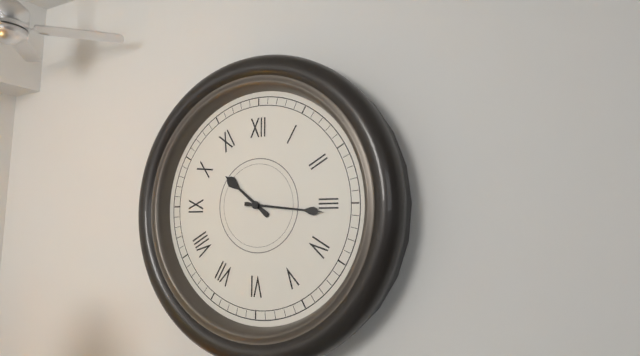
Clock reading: 10.16
